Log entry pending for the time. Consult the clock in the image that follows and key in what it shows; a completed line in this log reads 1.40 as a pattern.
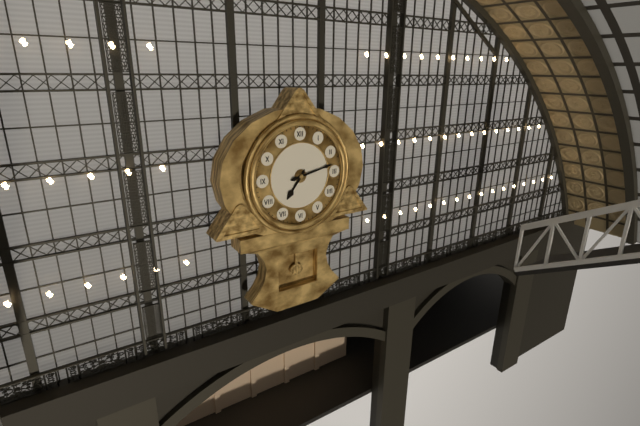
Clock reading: 7.13
